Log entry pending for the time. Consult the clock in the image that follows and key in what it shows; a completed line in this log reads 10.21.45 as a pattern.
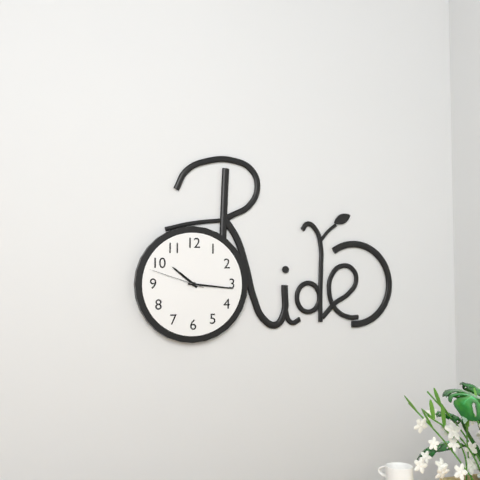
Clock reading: 10.16.48
